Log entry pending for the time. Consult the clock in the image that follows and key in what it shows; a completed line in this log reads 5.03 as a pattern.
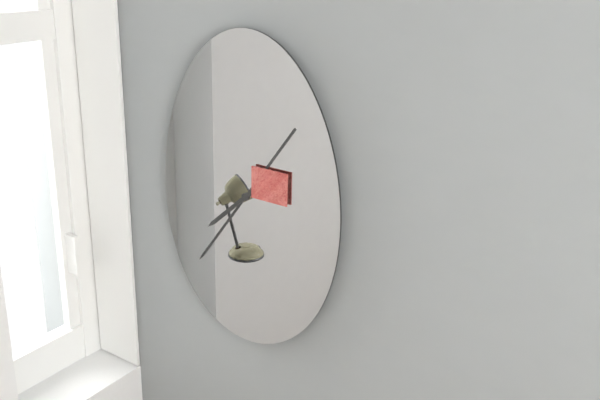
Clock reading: 7.36
